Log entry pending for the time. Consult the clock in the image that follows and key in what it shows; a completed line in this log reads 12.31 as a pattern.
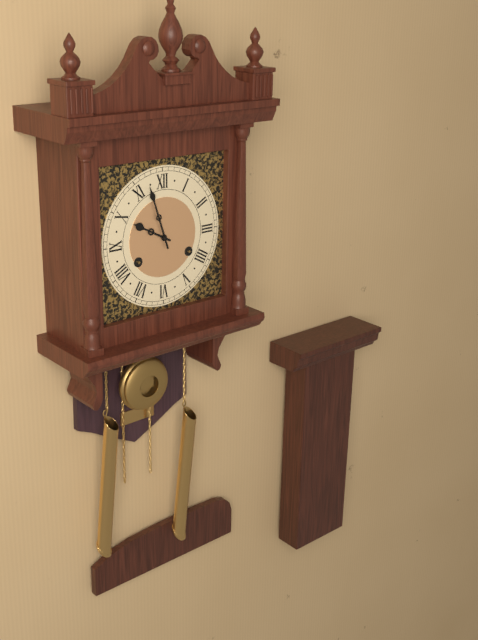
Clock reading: 9.57
